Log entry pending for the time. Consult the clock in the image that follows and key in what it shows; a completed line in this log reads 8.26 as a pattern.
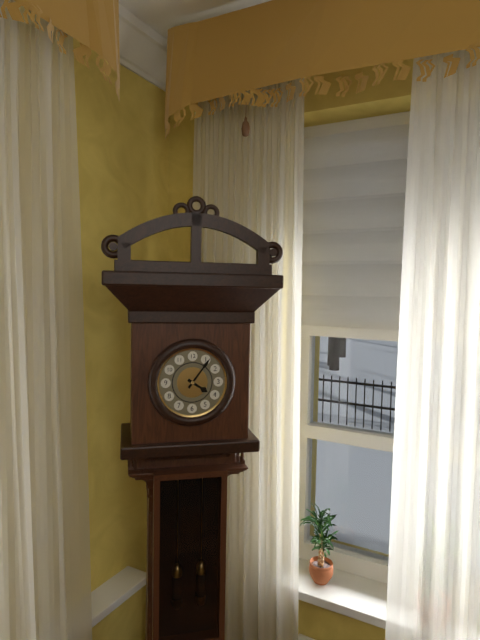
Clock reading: 4.06
